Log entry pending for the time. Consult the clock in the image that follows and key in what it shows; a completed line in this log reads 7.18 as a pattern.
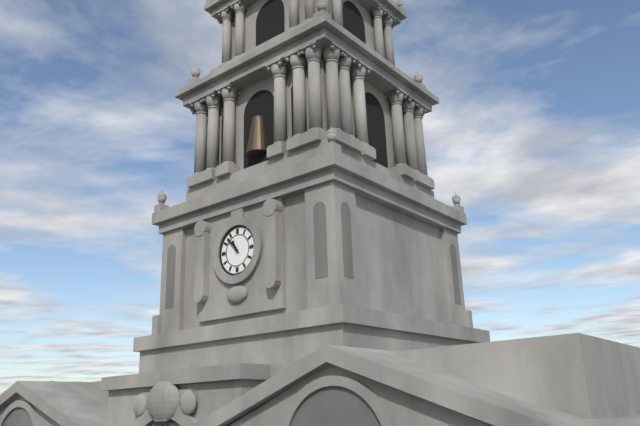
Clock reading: 10.53
